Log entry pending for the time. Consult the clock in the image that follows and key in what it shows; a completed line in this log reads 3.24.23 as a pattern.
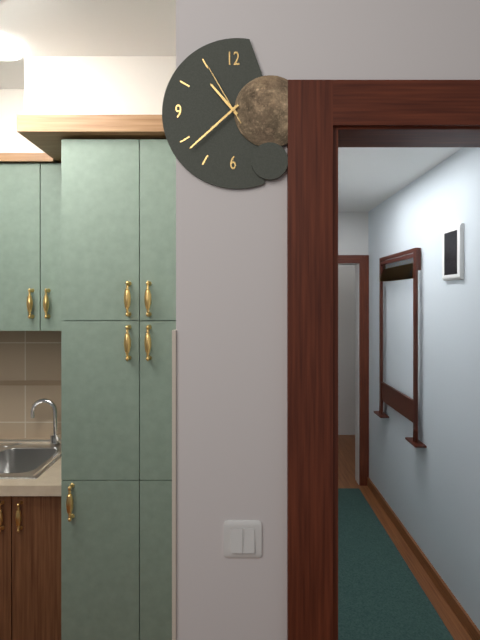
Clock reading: 10.38.55
